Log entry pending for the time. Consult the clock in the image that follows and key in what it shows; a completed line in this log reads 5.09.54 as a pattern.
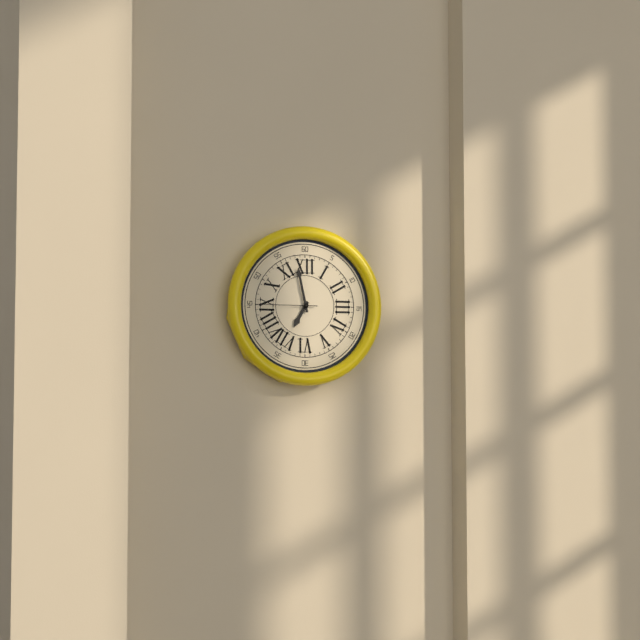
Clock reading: 6.58.45
